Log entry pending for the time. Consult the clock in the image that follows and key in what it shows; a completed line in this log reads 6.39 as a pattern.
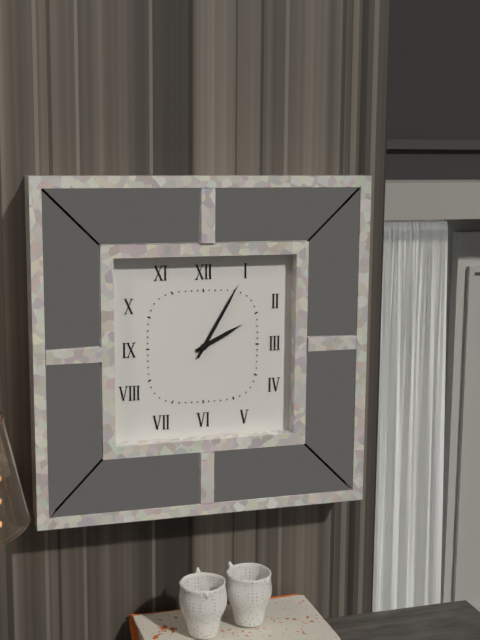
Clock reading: 2.05
